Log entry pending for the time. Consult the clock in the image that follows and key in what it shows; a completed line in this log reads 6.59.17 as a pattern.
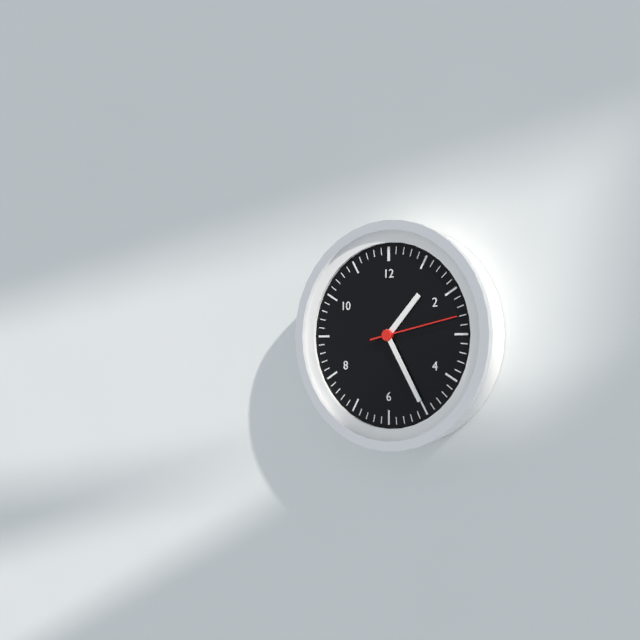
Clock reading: 1.25.13
